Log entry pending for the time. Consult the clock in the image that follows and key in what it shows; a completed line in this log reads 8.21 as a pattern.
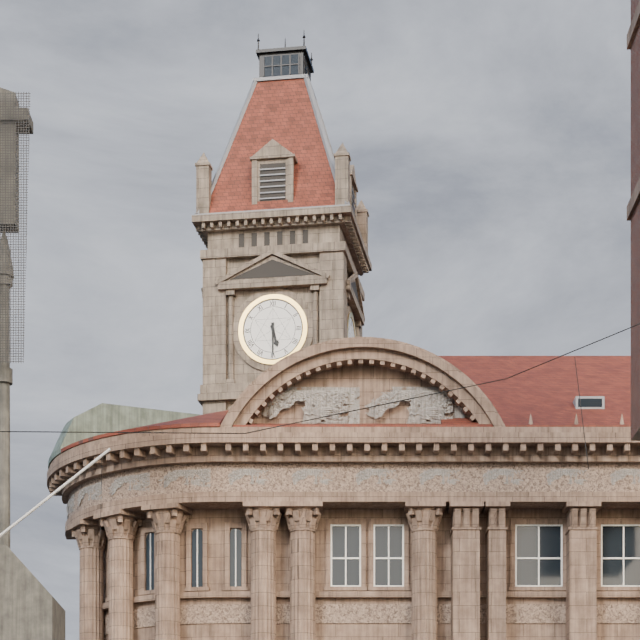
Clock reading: 5.30
